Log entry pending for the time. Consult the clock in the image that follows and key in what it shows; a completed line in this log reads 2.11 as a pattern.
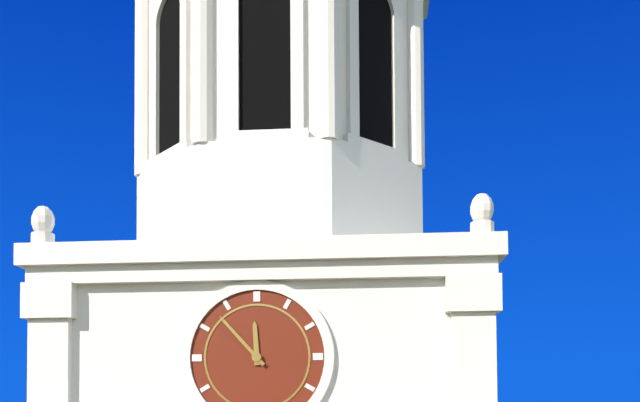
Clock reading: 11.53
